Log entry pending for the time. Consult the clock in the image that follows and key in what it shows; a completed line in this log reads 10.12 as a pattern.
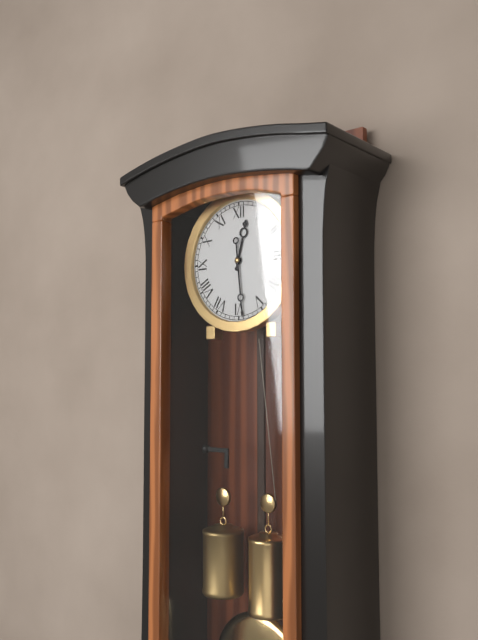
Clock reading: 12.29
